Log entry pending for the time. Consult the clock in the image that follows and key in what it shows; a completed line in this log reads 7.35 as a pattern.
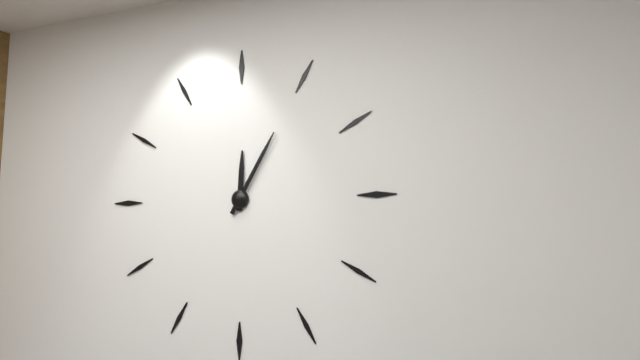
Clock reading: 12.05
